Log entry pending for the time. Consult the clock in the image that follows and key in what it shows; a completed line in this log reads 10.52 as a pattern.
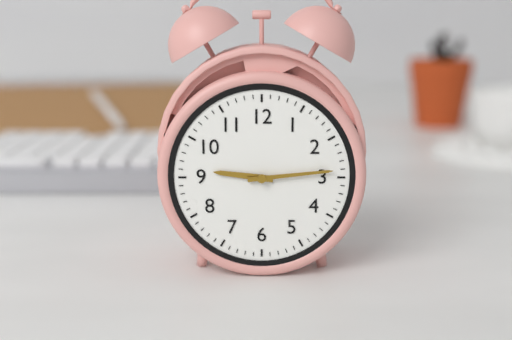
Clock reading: 9.14
